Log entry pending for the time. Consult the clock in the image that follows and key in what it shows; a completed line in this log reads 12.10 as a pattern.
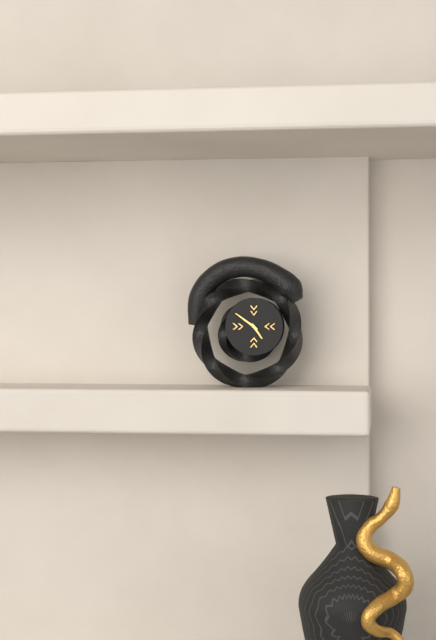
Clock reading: 4.51
